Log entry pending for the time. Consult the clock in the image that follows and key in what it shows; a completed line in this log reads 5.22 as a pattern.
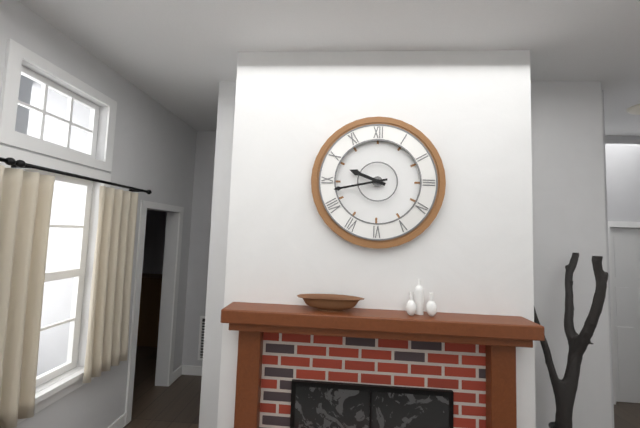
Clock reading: 9.43
